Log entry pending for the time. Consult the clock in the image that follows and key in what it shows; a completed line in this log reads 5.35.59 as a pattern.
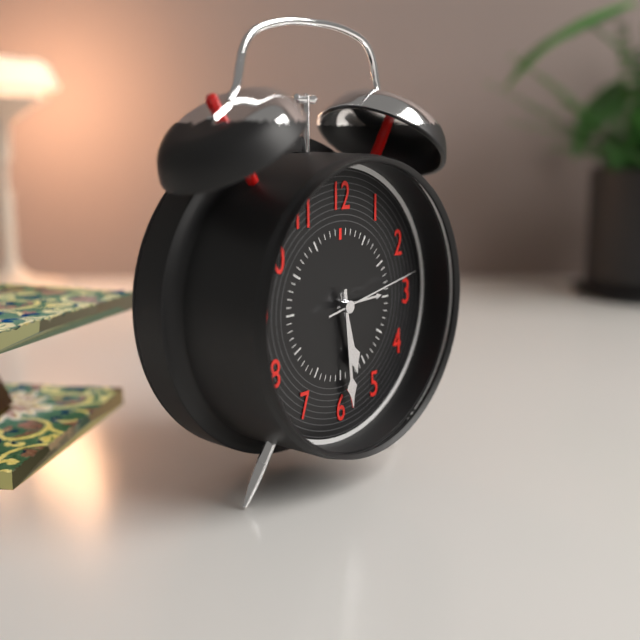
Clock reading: 5.29.13
